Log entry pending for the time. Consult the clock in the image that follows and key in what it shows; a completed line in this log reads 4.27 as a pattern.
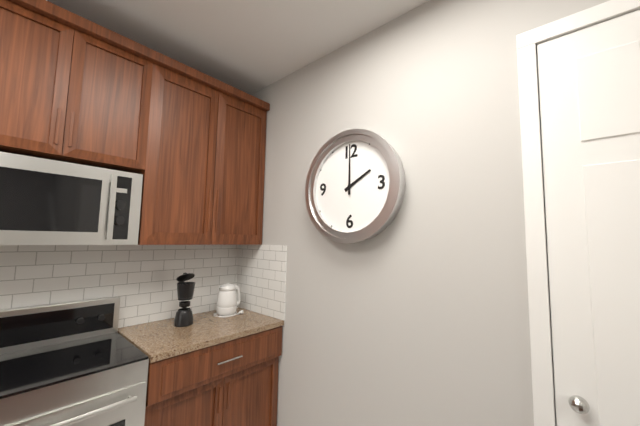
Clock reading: 2.00
